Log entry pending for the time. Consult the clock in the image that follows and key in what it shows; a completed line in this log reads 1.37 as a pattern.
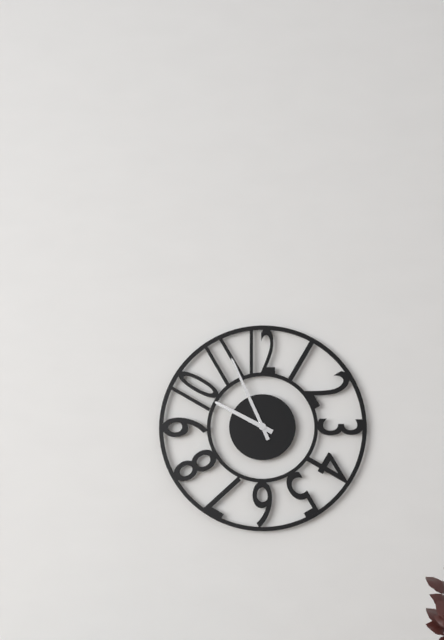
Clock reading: 9.56
